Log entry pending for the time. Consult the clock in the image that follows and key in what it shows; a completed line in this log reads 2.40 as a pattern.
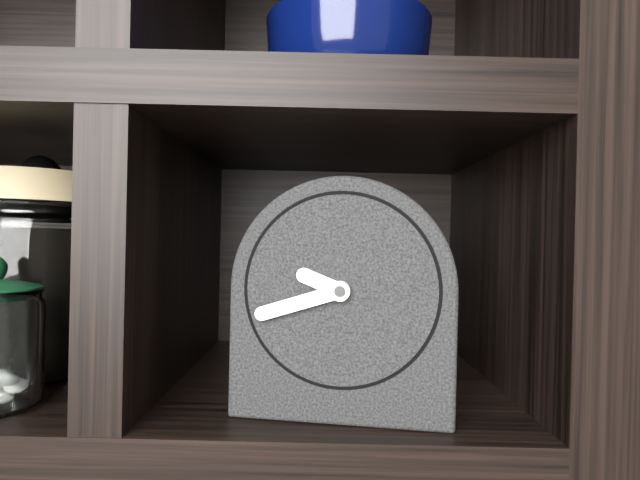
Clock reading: 9.42
